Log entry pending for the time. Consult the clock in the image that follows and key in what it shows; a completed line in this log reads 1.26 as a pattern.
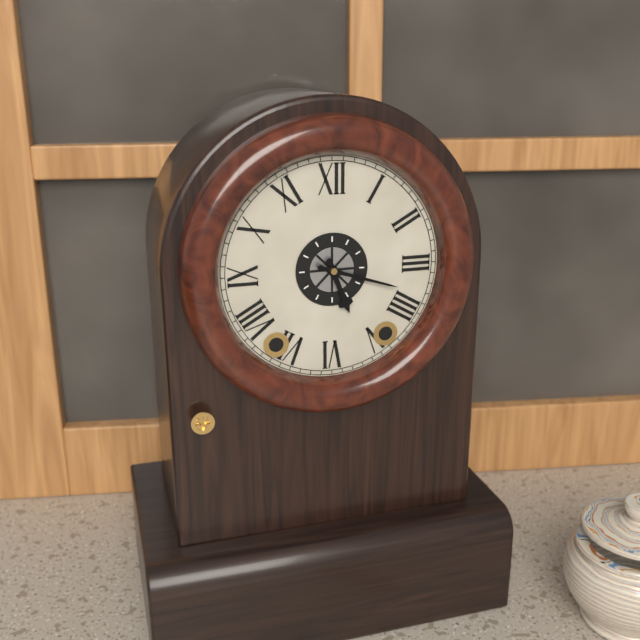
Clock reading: 5.18
